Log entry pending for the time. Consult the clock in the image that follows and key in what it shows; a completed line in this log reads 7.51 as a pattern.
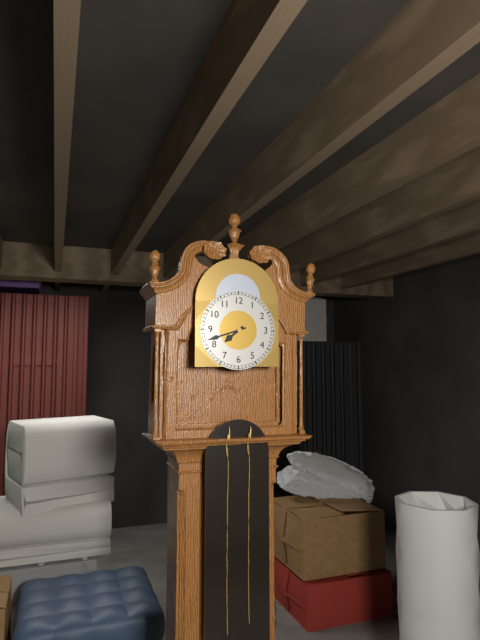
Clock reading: 7.42
